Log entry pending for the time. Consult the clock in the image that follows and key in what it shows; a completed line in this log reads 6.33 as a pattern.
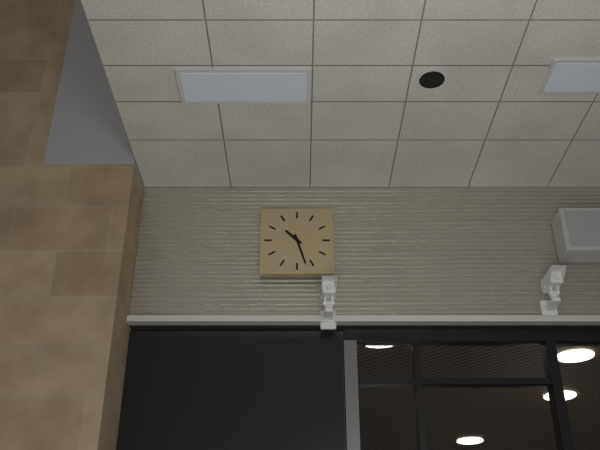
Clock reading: 10.27
